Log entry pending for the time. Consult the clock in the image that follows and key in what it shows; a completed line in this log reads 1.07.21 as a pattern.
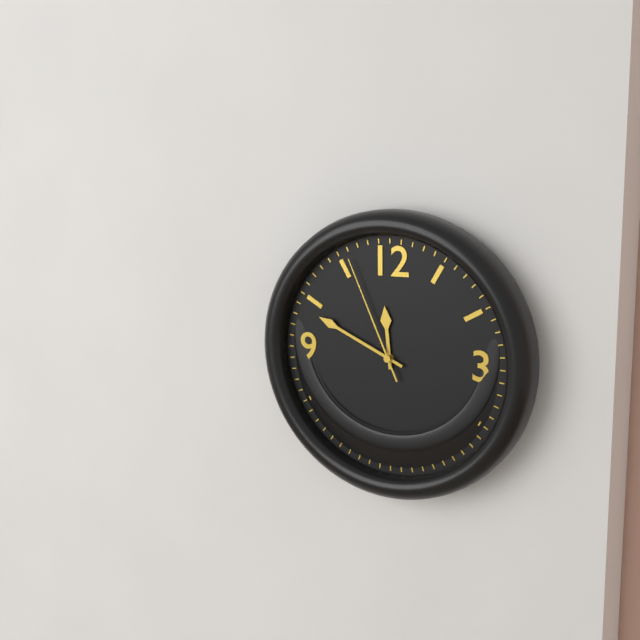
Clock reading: 11.49.56
